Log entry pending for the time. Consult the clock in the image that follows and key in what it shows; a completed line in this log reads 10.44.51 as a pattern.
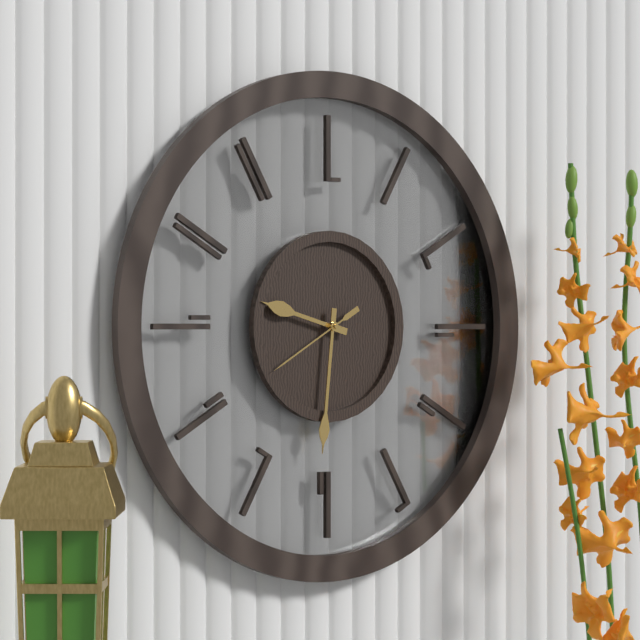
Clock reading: 9.31.40
